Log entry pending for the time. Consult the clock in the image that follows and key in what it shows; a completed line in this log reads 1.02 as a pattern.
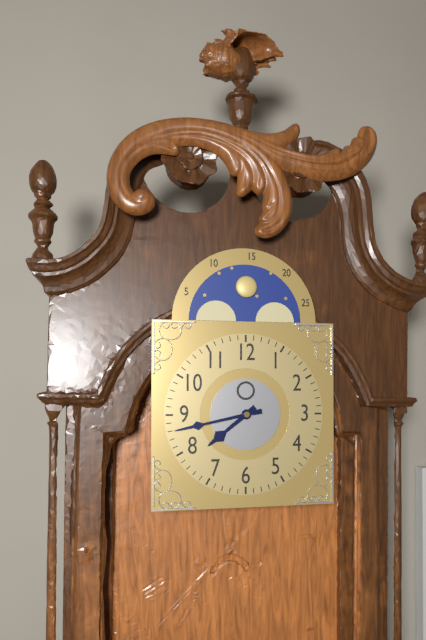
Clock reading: 7.43
